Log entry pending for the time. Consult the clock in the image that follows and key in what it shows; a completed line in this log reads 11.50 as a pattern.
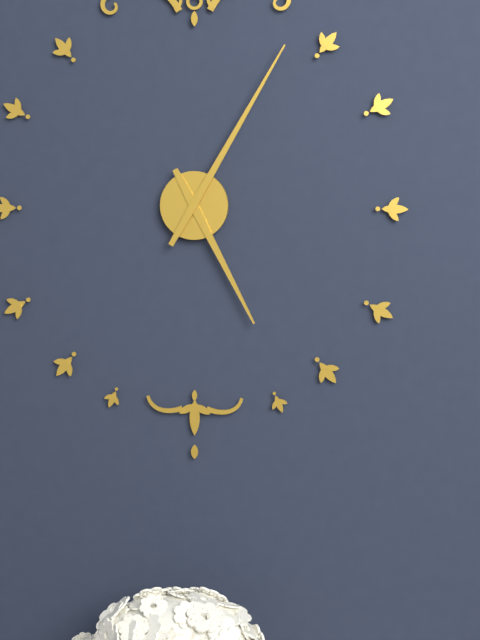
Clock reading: 5.05
